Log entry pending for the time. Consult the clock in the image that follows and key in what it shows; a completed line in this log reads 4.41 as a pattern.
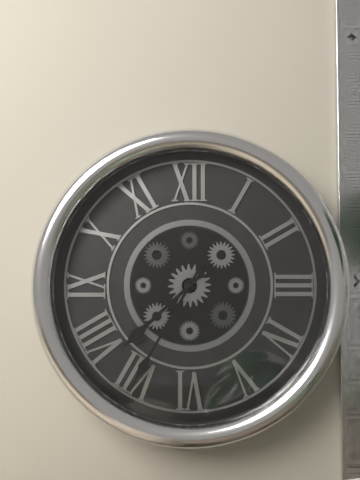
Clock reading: 7.35
